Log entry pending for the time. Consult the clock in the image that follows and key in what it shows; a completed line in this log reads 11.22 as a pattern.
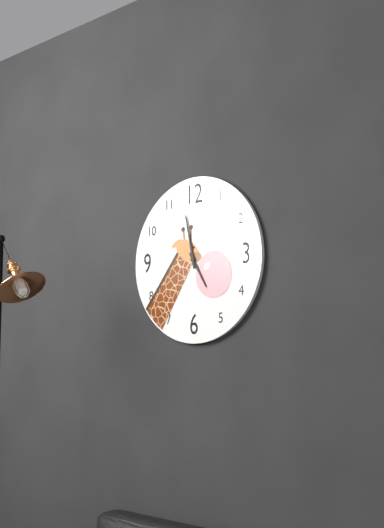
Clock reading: 4.58
